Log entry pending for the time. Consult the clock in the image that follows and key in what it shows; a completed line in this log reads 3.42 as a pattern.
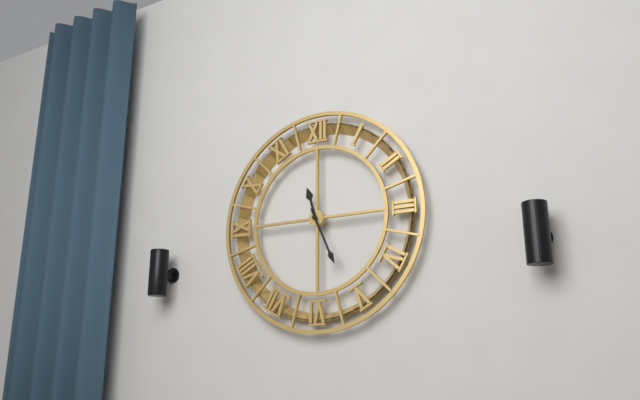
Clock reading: 11.26
